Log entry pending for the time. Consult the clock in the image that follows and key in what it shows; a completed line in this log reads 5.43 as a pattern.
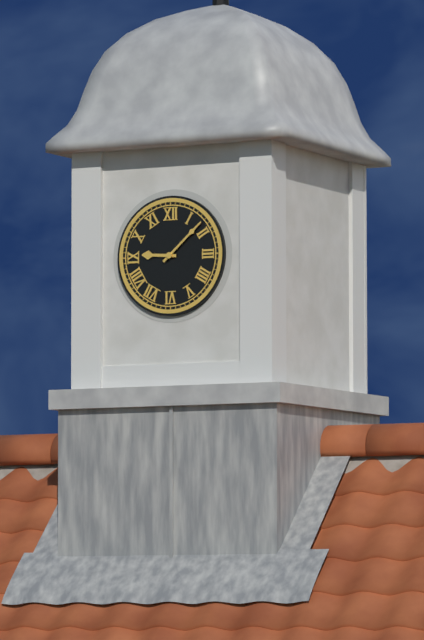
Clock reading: 9.08
